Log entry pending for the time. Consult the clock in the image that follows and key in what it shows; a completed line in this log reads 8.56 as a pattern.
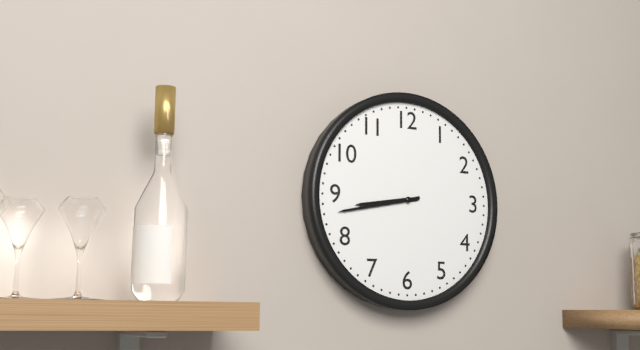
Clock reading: 8.43
